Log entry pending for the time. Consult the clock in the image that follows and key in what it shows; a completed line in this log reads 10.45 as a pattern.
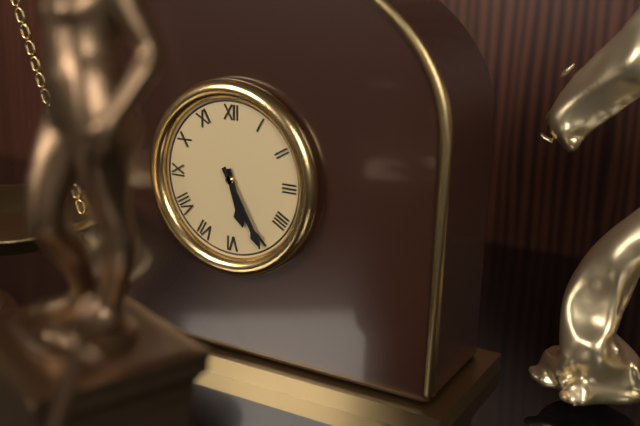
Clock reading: 5.25
